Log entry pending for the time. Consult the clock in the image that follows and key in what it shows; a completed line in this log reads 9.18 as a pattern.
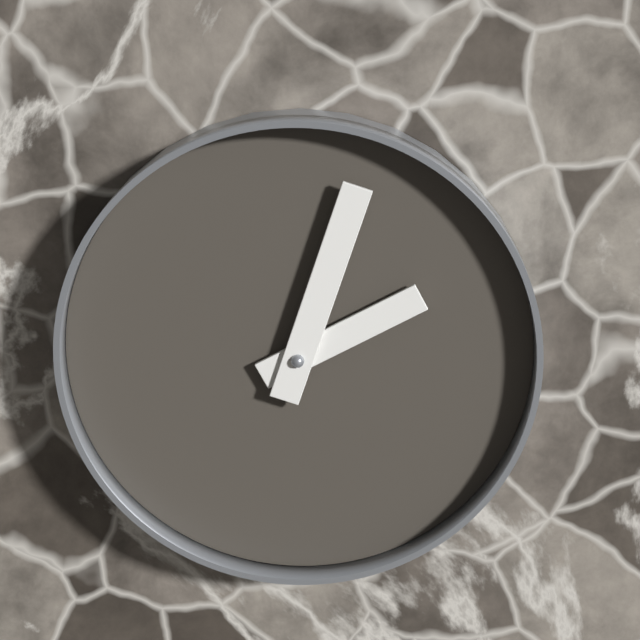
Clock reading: 2.03
